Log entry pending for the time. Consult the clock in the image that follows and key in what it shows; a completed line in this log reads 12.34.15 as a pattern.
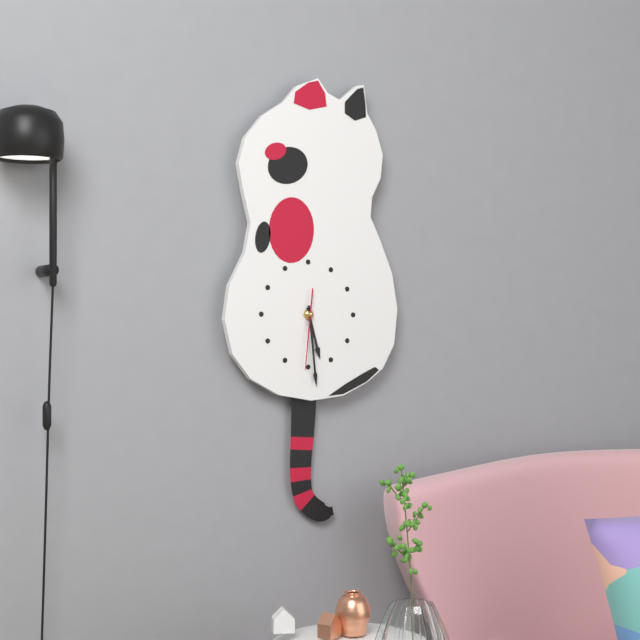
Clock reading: 5.29.31
